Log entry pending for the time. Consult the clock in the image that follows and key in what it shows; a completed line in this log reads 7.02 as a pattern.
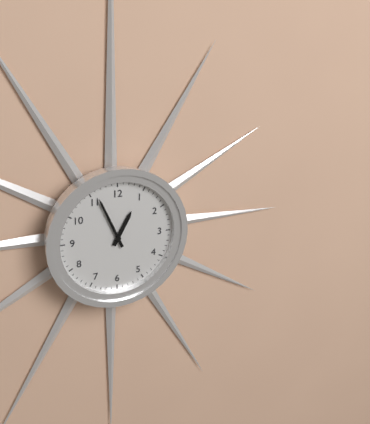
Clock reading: 12.56
